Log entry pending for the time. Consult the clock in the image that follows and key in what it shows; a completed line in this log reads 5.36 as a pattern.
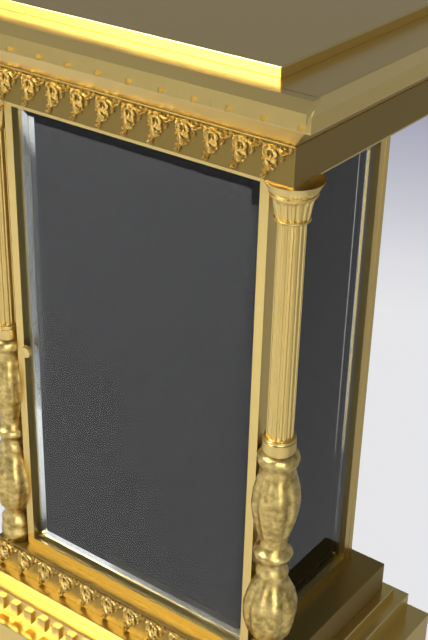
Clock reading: 8.50
